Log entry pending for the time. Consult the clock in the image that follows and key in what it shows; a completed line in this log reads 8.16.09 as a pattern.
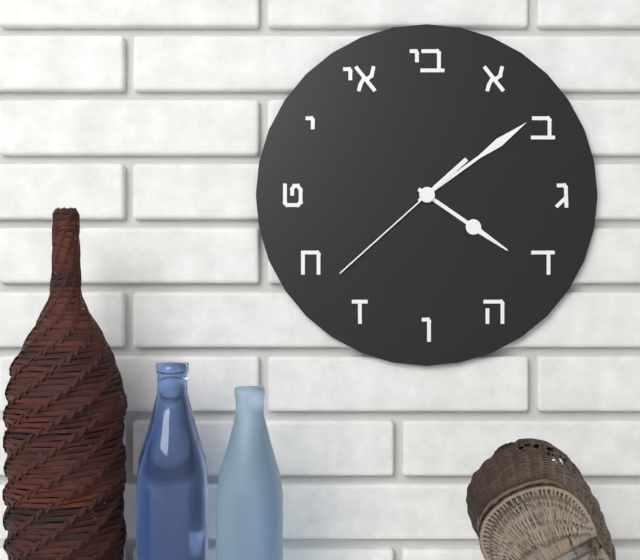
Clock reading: 4.09.38
